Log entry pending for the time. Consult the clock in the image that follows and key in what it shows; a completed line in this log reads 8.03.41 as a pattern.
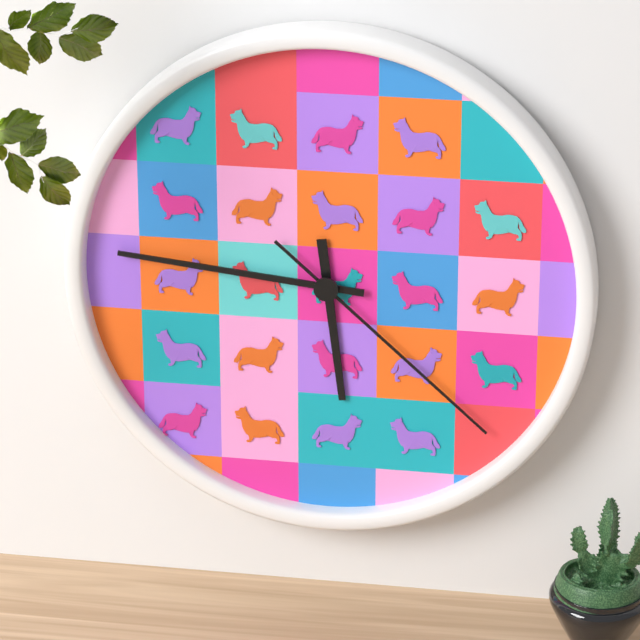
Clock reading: 5.46.22
